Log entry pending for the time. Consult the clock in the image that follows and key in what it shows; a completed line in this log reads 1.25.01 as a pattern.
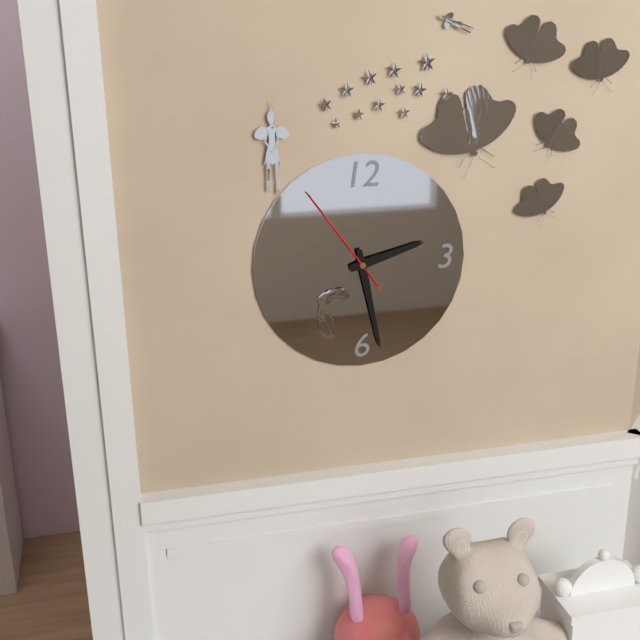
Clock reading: 2.28.54
